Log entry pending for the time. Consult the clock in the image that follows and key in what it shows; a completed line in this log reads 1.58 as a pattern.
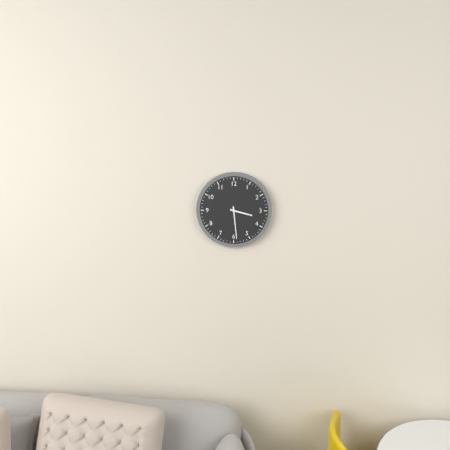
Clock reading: 3.29
